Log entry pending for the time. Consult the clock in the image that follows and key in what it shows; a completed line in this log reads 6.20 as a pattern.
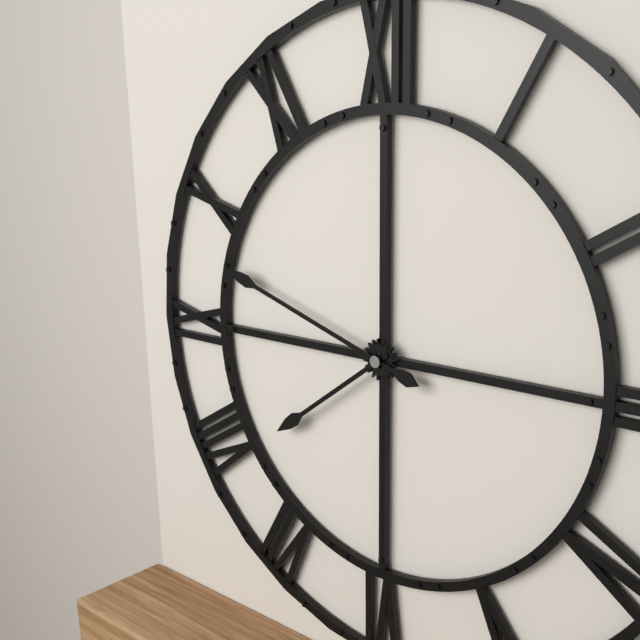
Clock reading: 7.48
